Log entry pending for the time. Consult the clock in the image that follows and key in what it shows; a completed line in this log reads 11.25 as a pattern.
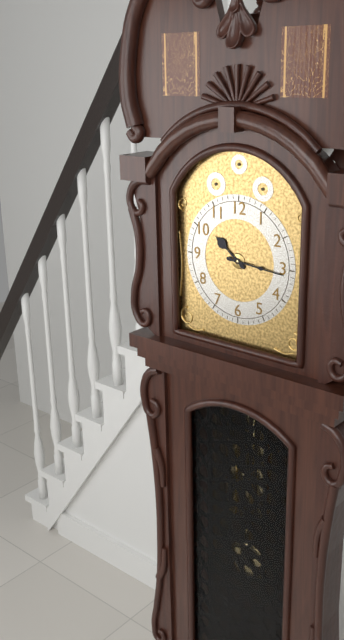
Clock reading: 10.16
